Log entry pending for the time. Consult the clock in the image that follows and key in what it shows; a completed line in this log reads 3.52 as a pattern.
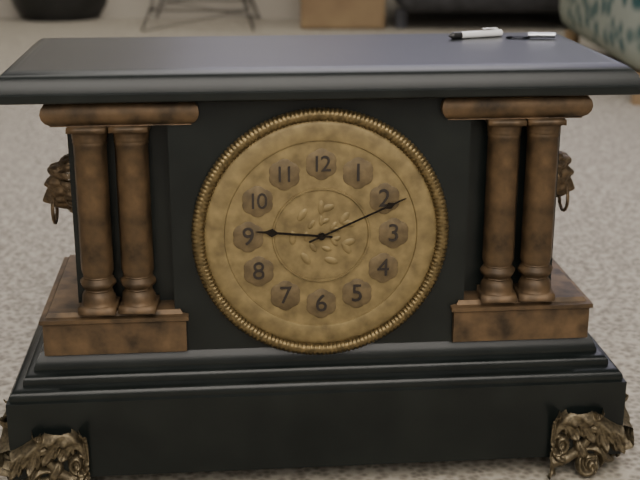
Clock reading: 9.11
